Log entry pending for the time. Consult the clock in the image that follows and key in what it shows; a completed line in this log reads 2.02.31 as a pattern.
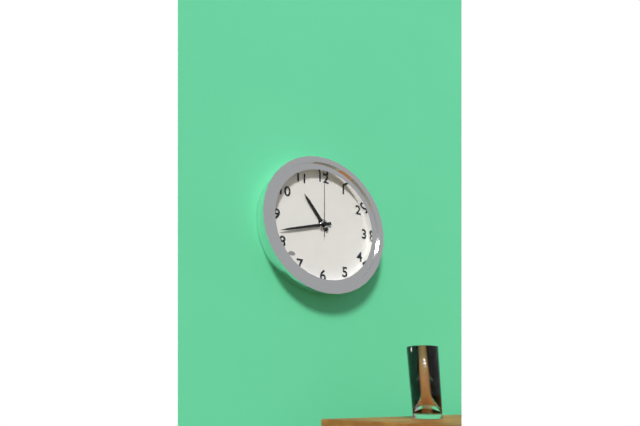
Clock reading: 10.42.00
